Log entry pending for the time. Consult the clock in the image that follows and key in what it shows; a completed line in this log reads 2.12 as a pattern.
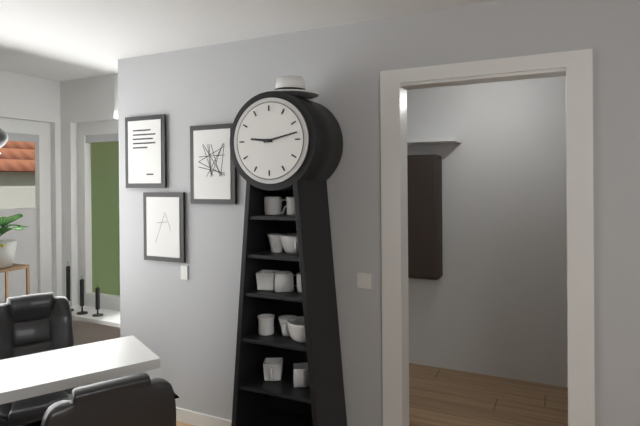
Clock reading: 9.13
